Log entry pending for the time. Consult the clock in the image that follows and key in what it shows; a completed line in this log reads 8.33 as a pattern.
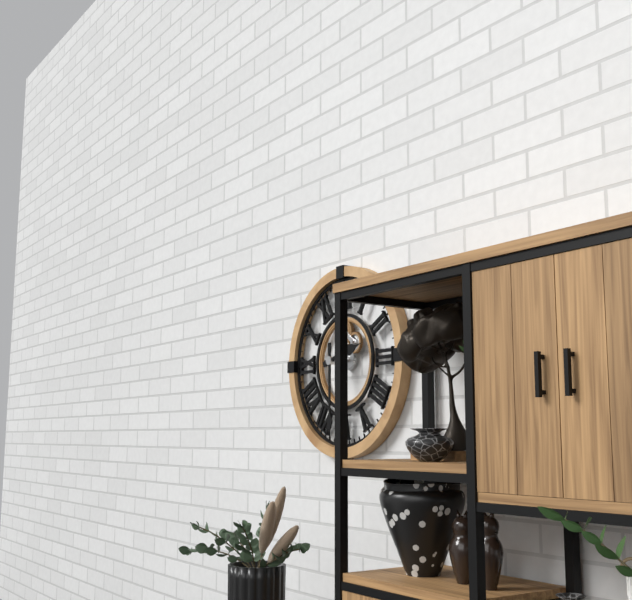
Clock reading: 2.30
